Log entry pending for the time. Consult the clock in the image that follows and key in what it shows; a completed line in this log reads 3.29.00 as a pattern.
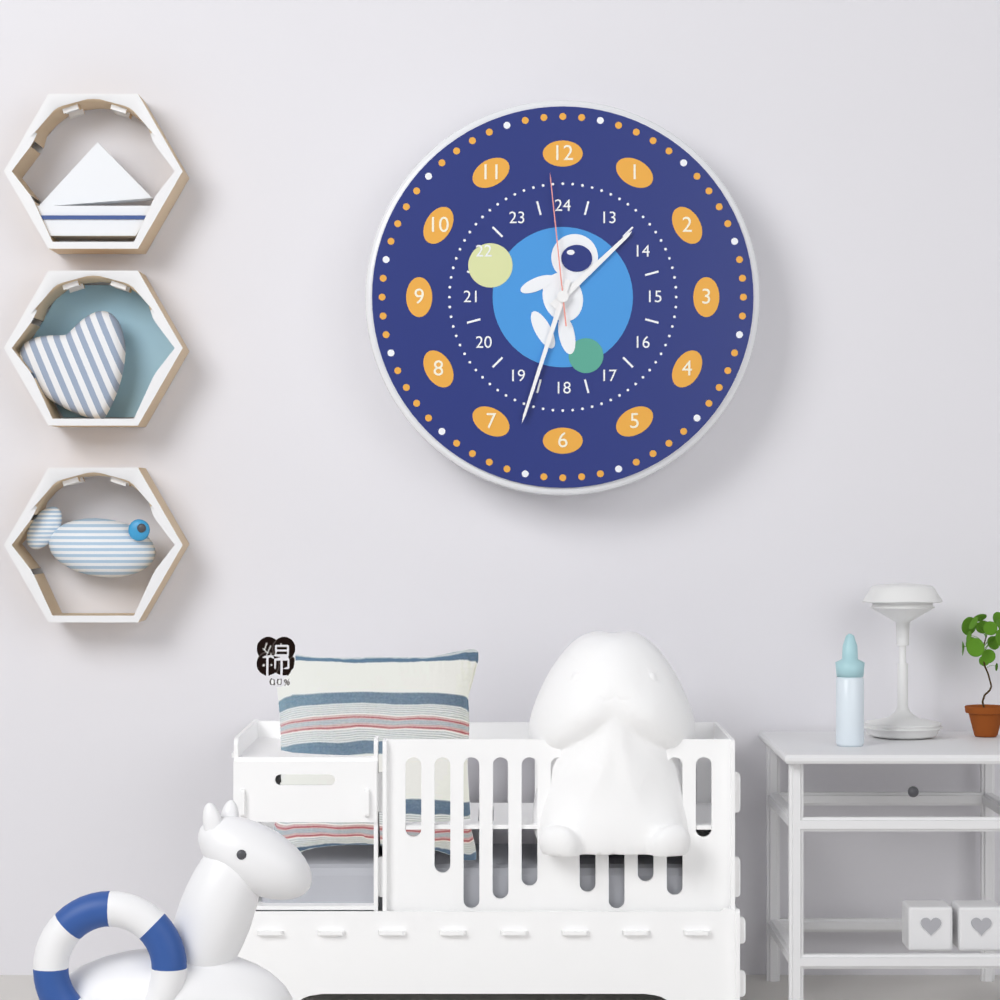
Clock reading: 1.33.59
